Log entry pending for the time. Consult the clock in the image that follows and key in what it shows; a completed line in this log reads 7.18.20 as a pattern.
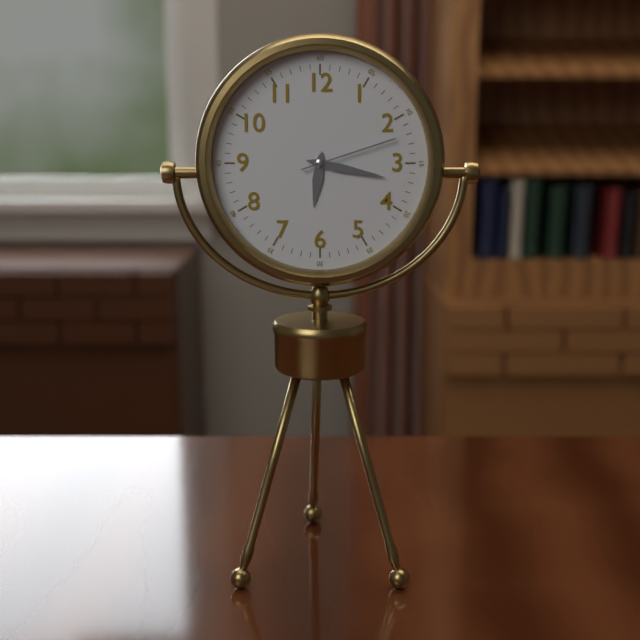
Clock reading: 6.17.12
